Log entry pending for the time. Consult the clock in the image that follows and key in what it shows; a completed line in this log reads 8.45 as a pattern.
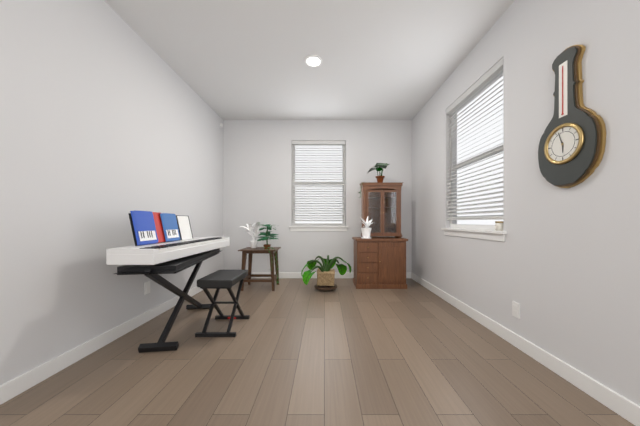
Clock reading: 5.57
